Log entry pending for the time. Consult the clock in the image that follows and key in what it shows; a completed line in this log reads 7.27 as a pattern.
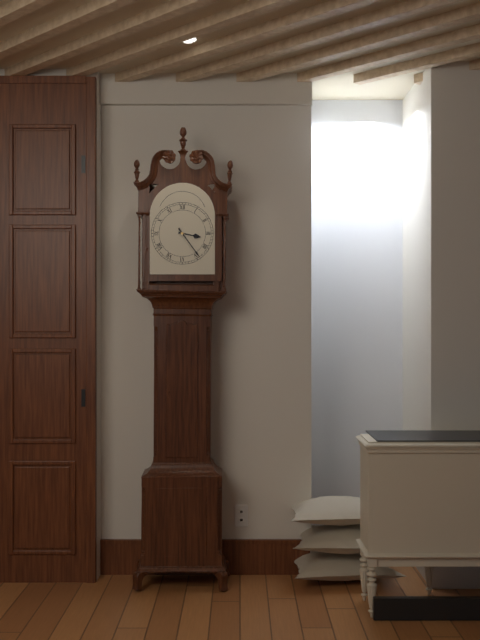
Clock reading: 3.24
